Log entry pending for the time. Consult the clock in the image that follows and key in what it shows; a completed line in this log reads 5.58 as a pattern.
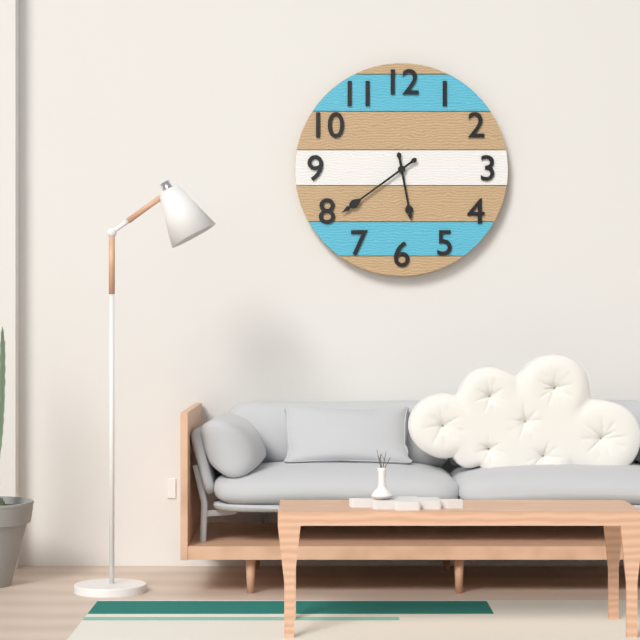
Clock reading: 5.39
